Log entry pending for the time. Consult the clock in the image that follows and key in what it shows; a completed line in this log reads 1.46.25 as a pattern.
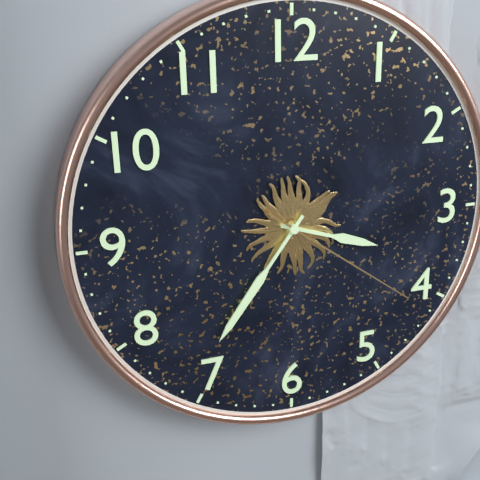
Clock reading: 3.36.21
